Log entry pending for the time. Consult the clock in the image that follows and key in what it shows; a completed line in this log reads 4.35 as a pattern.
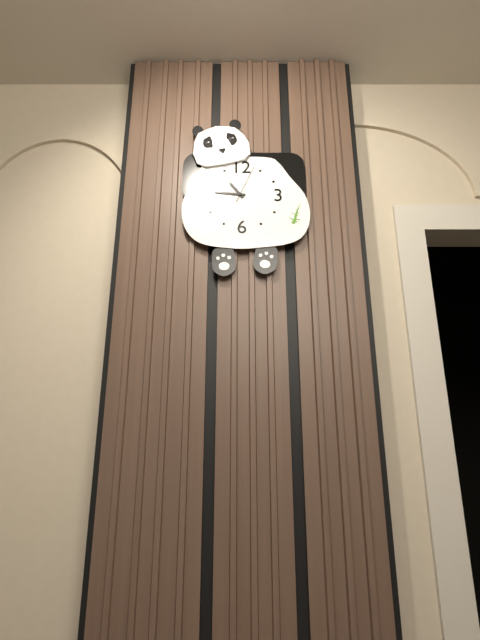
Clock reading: 10.46
